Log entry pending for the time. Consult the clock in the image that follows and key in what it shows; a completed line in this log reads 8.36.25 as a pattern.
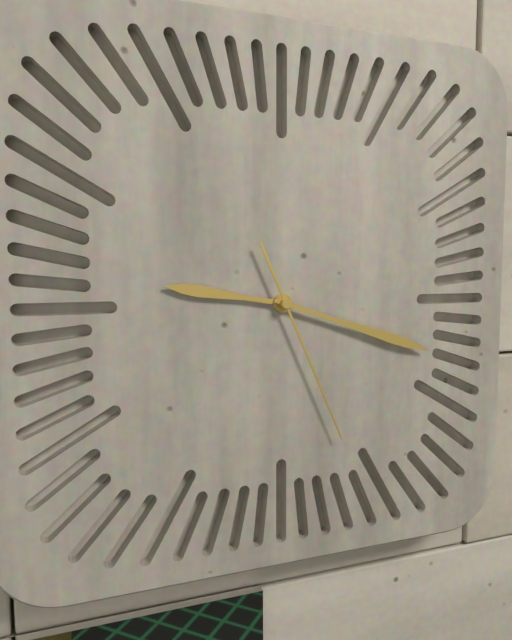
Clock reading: 9.18.26
